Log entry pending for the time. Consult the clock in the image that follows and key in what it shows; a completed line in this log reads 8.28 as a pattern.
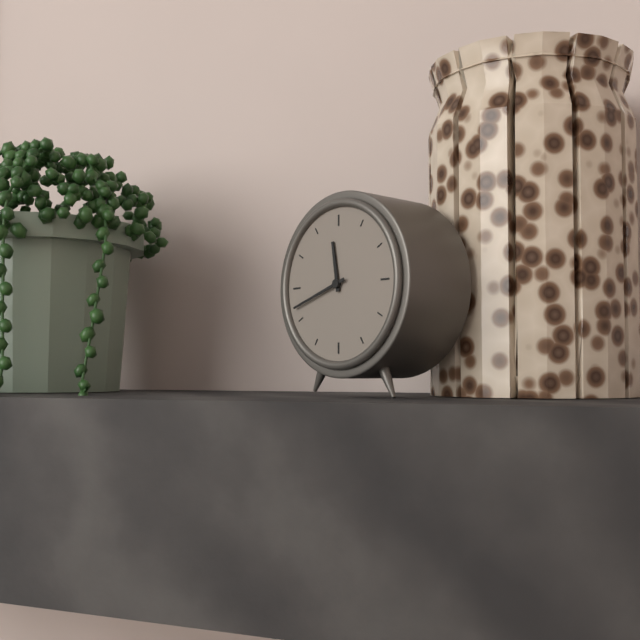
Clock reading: 11.42
